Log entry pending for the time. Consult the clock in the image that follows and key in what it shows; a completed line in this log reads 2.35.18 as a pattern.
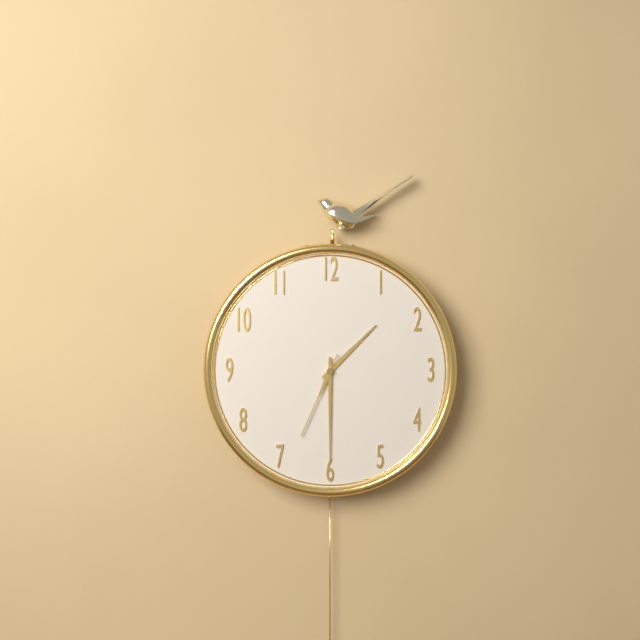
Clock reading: 1.30.34
